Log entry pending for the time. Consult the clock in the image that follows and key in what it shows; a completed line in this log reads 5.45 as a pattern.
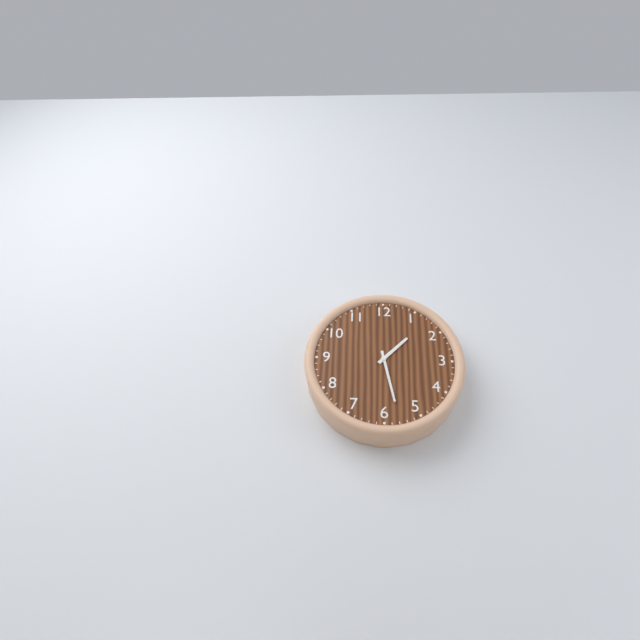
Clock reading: 1.28
